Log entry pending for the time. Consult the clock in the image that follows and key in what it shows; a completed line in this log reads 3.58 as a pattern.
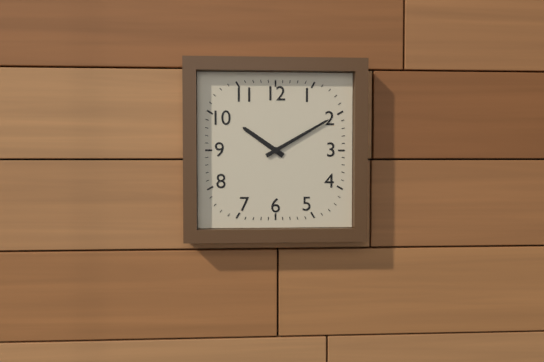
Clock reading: 10.10
